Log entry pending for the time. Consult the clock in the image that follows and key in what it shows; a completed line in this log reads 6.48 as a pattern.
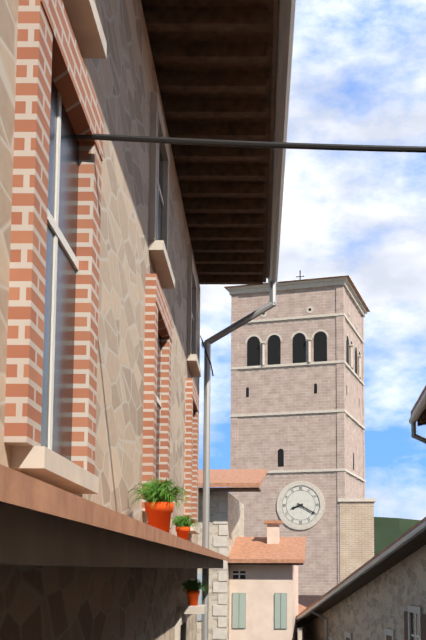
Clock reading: 8.20
